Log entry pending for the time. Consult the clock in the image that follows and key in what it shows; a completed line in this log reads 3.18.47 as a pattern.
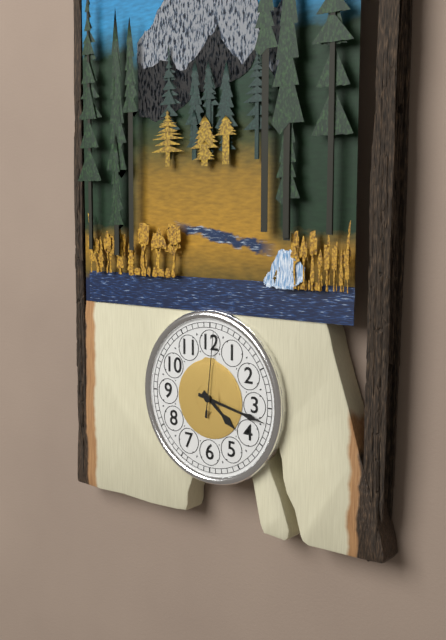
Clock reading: 4.17.01
